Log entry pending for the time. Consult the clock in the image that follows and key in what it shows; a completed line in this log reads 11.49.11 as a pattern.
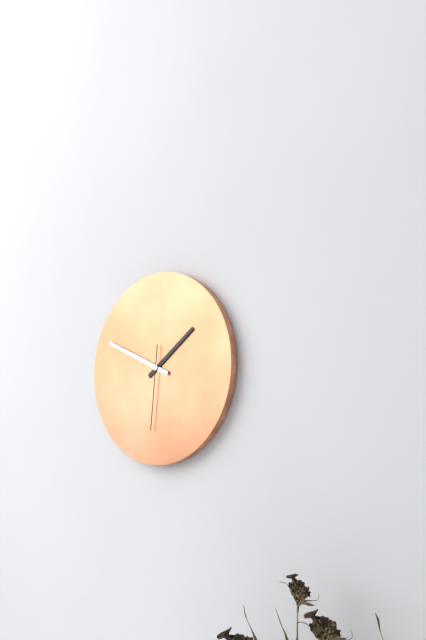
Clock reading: 1.49.31
